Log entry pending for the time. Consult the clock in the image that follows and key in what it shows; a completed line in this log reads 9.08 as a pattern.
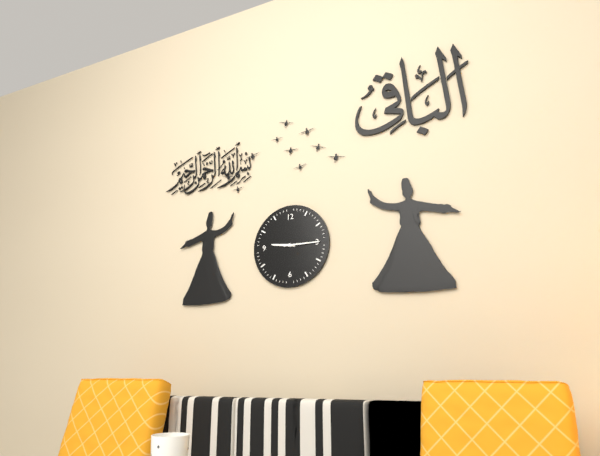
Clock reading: 9.15
